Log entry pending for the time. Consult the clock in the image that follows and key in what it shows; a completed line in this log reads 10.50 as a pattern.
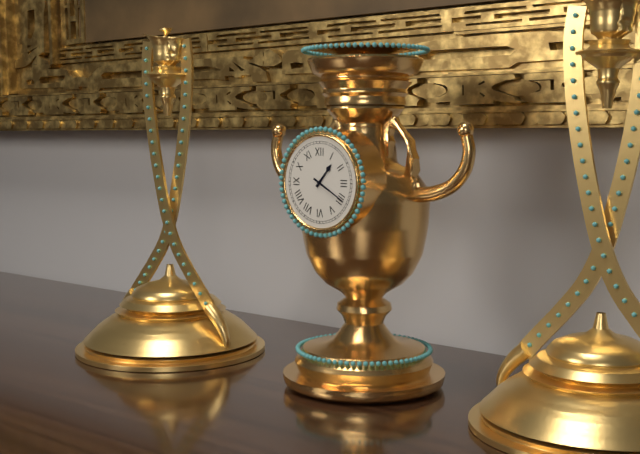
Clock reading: 1.20
